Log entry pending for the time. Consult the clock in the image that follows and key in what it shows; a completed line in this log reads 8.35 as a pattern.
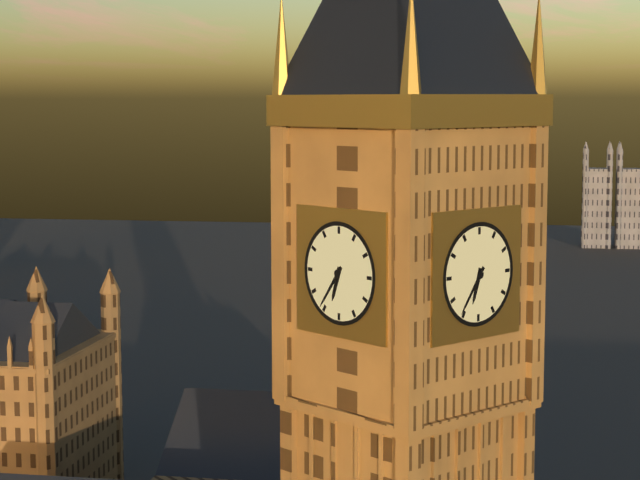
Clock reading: 6.36
